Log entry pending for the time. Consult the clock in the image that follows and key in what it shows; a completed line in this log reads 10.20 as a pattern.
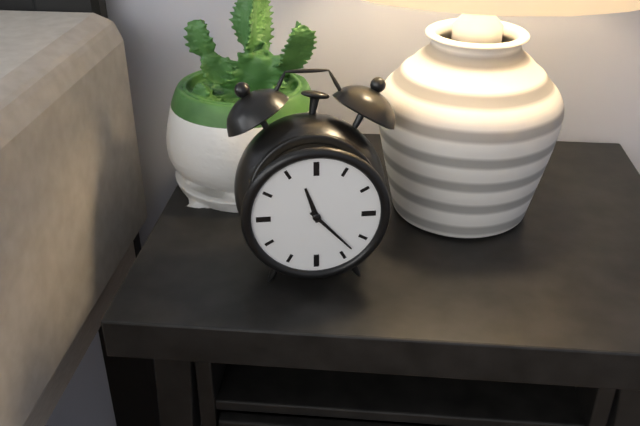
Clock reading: 11.23
